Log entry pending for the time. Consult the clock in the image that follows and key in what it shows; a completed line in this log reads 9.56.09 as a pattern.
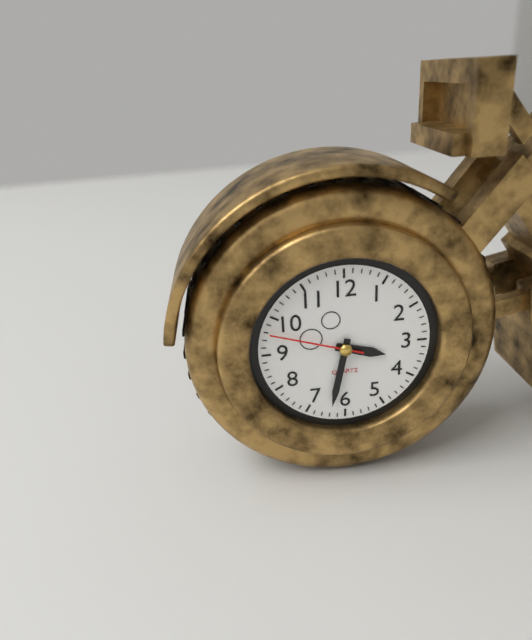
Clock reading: 3.32.48
